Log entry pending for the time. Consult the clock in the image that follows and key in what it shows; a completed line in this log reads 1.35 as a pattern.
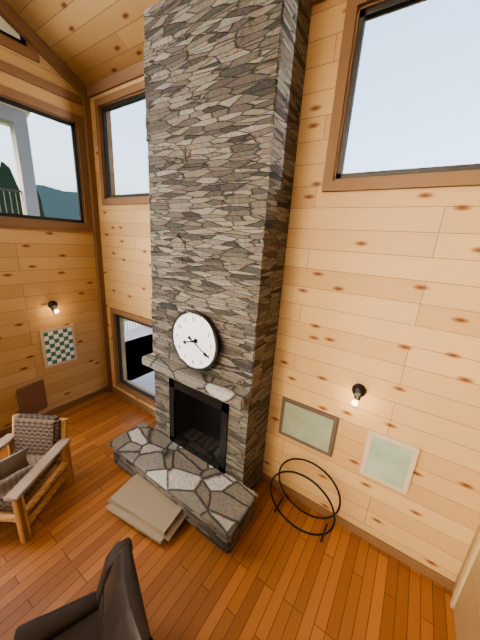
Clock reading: 8.20
